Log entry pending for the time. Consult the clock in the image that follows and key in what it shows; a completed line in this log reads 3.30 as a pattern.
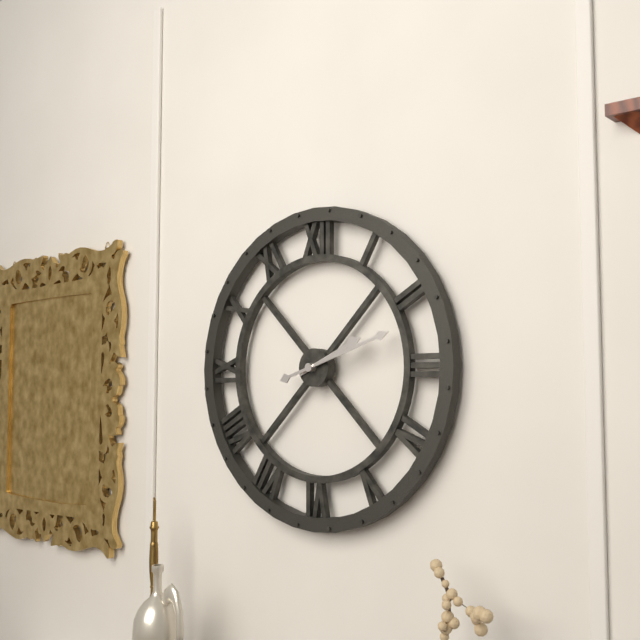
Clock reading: 2.12
